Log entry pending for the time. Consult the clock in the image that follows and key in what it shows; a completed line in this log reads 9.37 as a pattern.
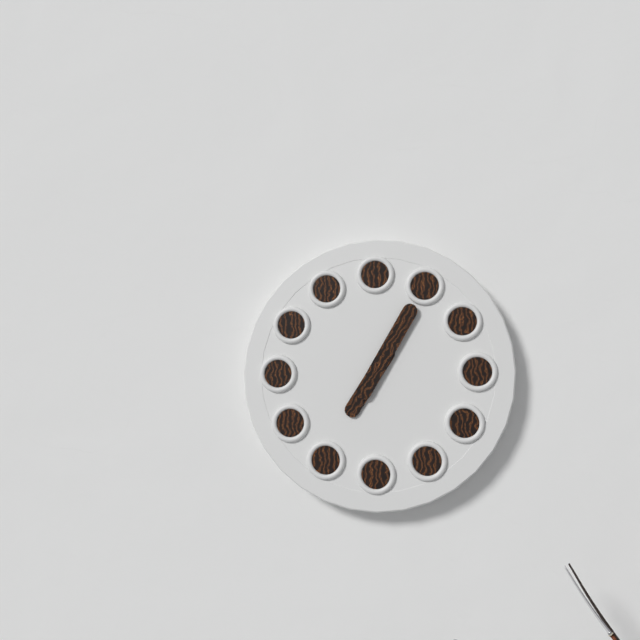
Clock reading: 7.05
